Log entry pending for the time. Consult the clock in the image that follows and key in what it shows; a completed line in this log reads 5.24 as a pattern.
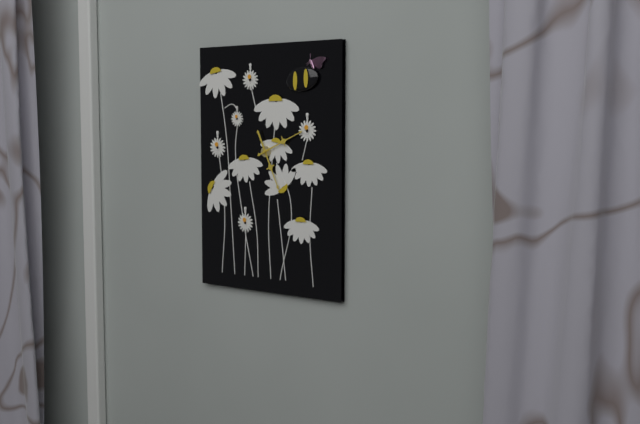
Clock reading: 5.11
